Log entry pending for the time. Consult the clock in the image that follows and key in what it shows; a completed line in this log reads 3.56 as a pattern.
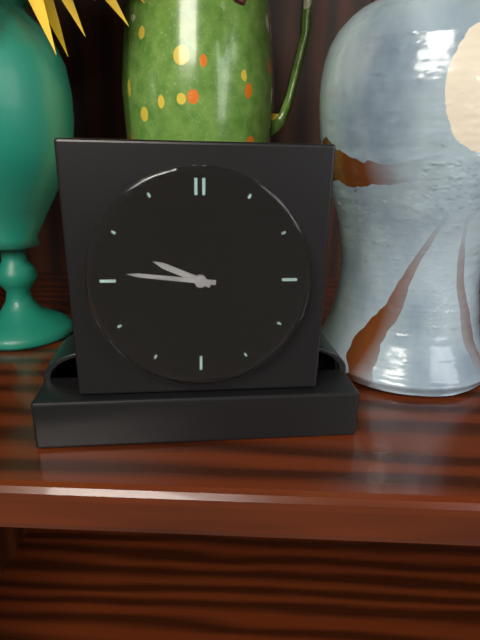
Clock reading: 9.46
